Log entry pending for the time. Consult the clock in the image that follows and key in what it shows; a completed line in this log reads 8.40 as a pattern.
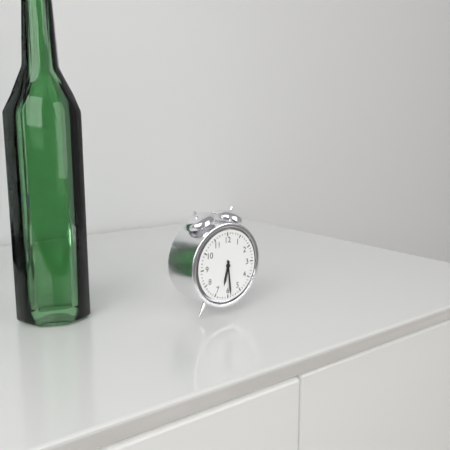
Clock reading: 6.29
